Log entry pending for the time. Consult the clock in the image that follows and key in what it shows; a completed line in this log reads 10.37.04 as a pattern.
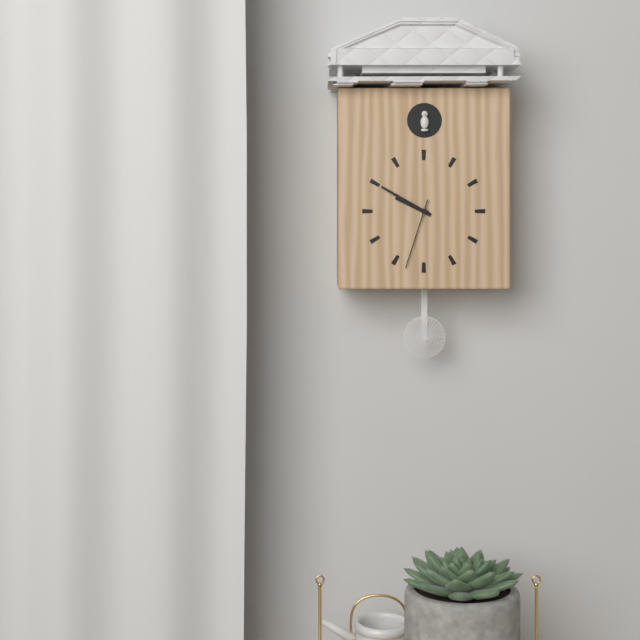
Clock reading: 9.50.33
